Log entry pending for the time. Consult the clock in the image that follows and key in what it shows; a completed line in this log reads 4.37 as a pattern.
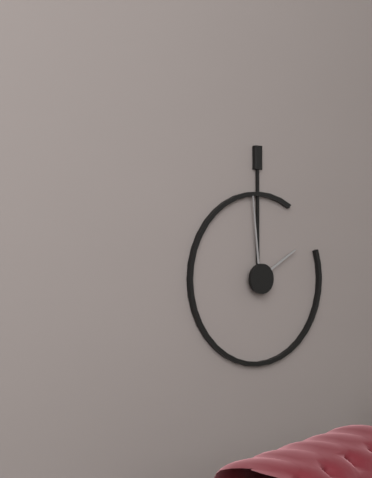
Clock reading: 1.59
